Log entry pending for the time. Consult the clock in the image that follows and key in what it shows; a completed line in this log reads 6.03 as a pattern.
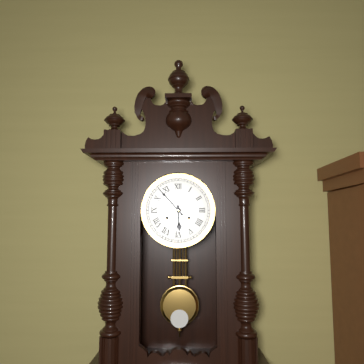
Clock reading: 5.53
